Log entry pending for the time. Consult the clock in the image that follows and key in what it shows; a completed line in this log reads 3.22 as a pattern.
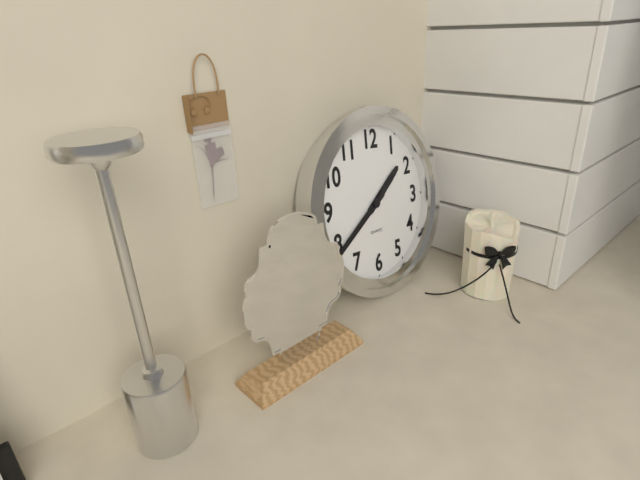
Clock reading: 1.39
